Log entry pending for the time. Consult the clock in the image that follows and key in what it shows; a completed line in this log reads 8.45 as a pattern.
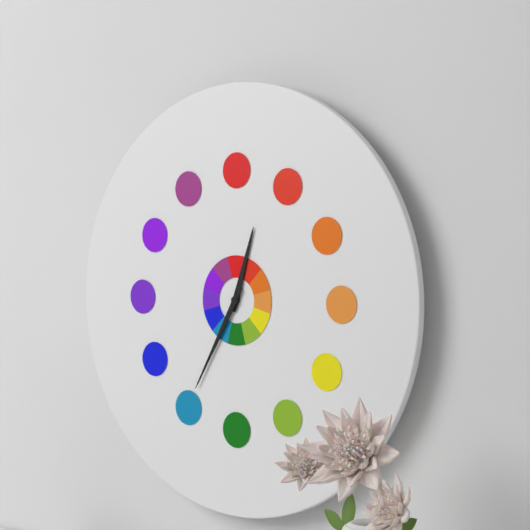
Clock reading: 12.35
